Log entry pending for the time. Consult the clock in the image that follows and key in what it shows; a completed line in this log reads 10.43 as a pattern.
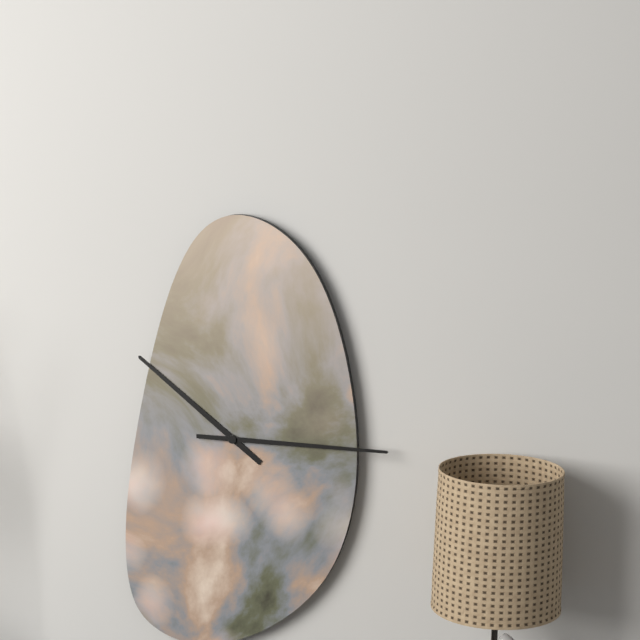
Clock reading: 10.15
